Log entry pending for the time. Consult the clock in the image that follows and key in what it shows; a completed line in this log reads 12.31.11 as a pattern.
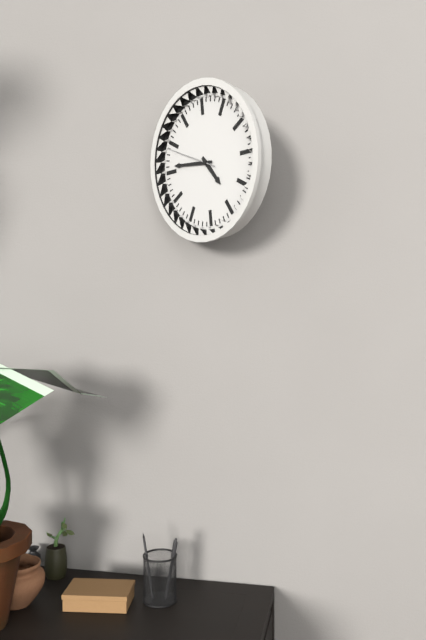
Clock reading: 4.46.49
